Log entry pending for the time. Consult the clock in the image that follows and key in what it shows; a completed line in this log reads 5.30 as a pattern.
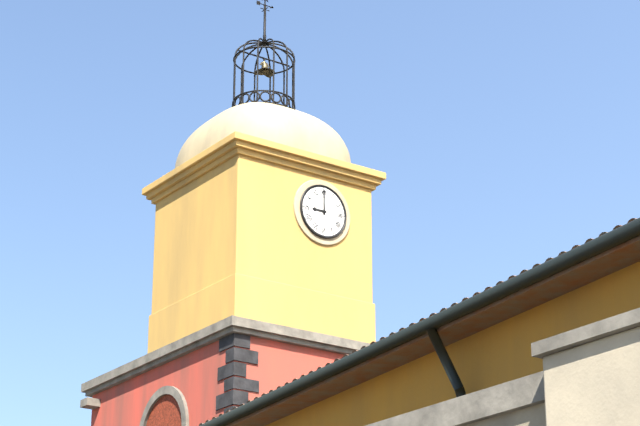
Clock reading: 9.00
